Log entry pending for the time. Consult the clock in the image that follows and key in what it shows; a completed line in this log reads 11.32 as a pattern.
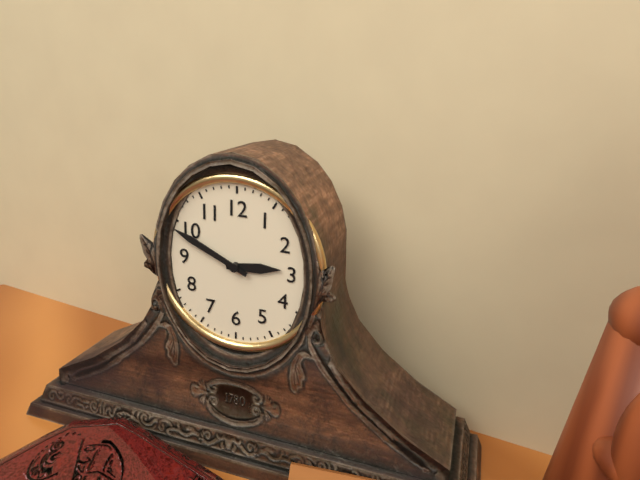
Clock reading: 2.49
